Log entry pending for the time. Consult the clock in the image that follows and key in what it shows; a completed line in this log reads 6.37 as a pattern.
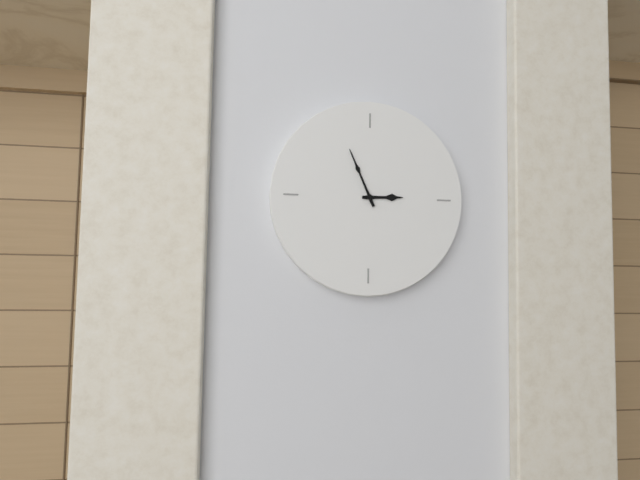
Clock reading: 2.56
